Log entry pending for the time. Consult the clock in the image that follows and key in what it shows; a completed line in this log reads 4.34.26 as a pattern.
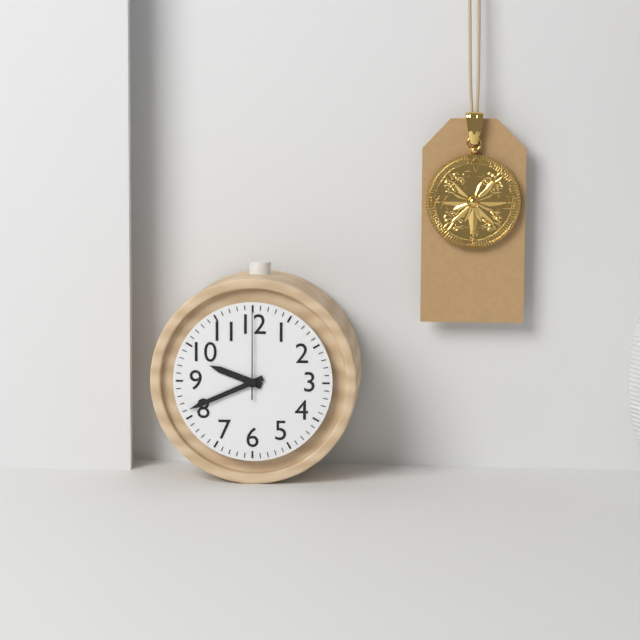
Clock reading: 9.41.00
